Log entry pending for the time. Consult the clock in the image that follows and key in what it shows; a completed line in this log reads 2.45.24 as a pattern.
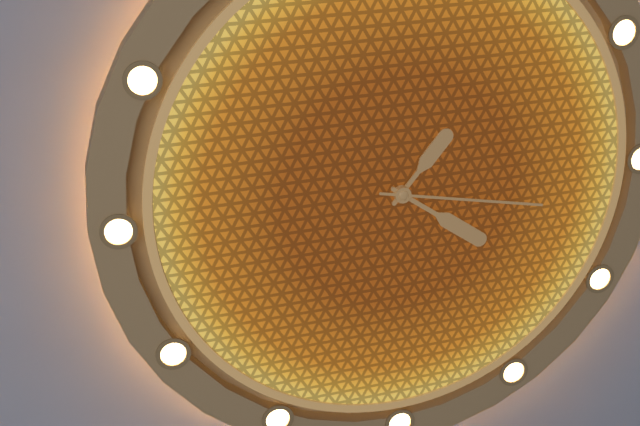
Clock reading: 1.21.17
